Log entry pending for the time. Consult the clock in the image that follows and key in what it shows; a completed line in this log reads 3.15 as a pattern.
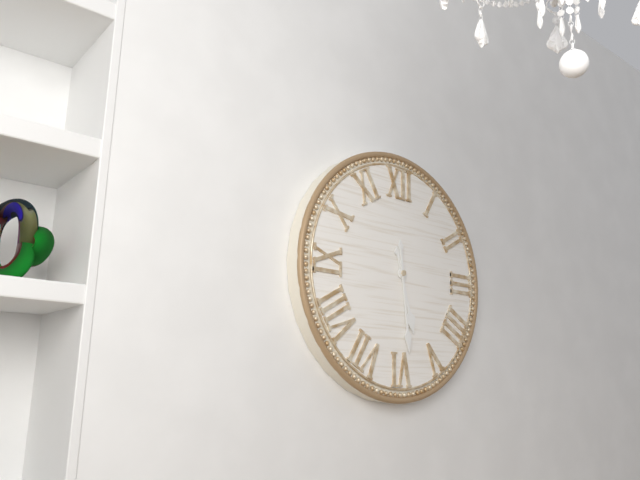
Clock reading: 5.29
